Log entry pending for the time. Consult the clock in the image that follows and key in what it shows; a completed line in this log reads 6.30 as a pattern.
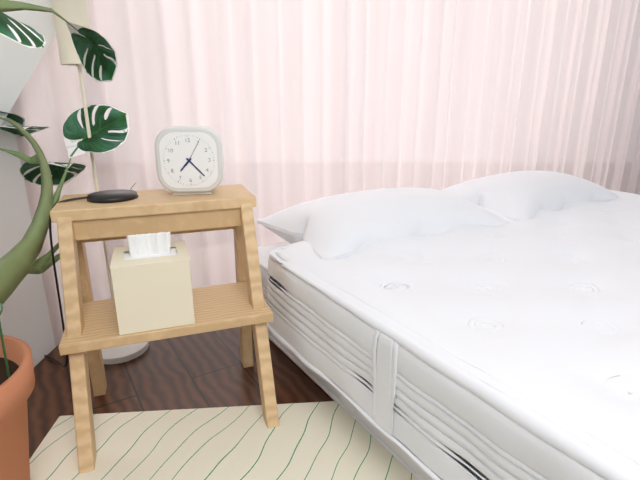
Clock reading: 7.23
